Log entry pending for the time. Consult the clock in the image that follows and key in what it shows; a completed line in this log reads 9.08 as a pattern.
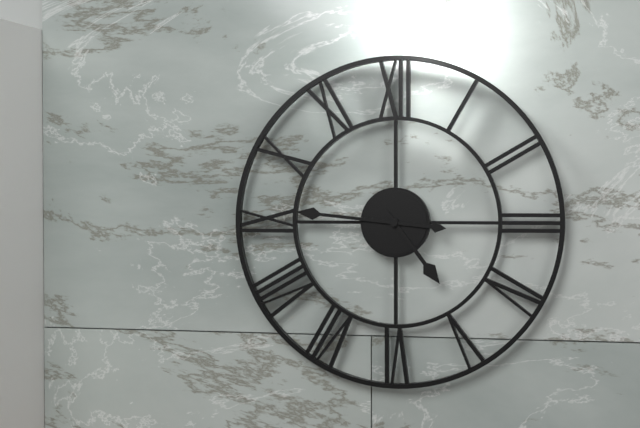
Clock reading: 4.46
